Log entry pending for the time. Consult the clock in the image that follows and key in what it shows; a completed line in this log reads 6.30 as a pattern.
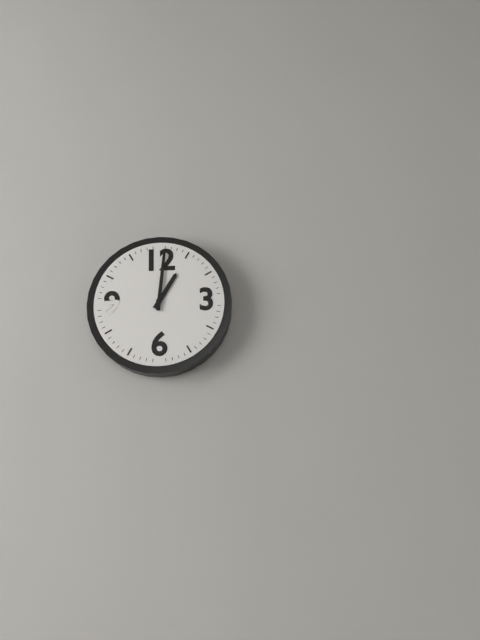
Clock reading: 1.01
